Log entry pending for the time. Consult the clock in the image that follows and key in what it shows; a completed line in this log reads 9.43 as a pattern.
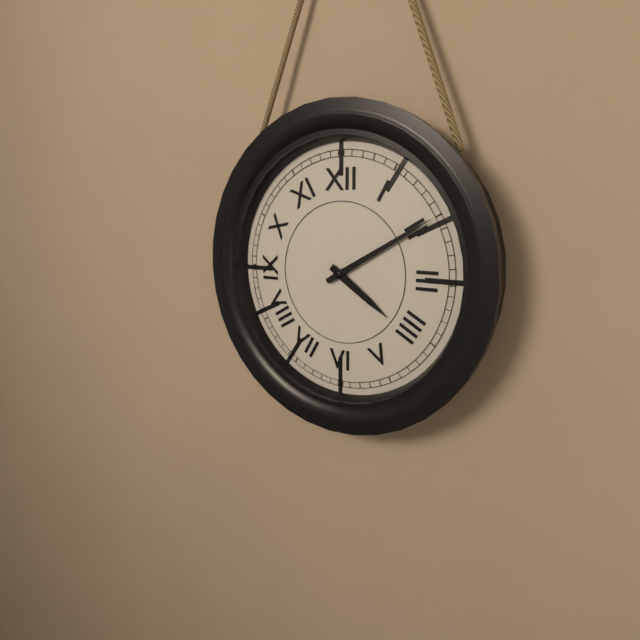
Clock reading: 4.10
